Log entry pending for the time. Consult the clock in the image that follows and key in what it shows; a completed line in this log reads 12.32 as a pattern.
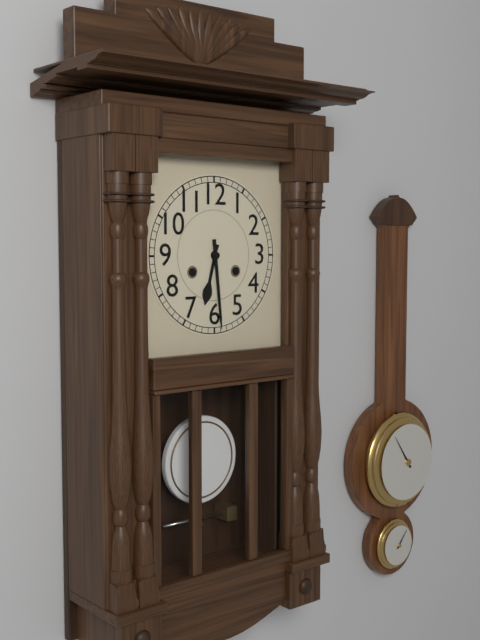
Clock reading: 6.29
